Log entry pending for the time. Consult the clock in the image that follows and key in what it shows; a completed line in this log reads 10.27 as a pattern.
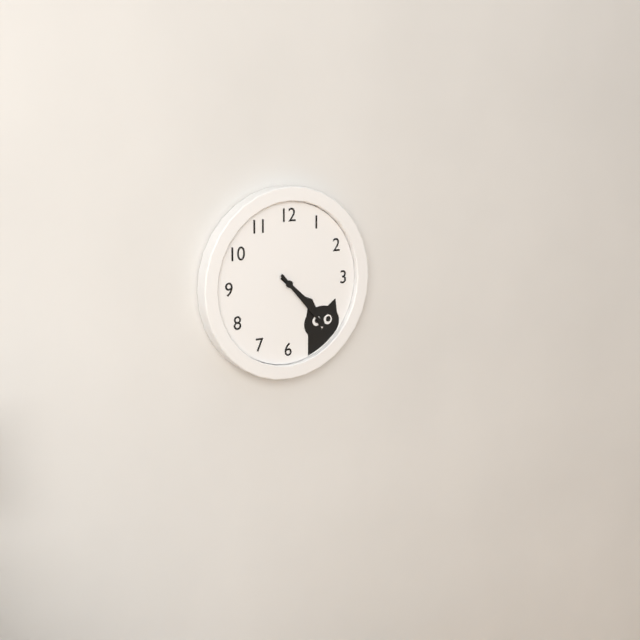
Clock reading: 4.23
